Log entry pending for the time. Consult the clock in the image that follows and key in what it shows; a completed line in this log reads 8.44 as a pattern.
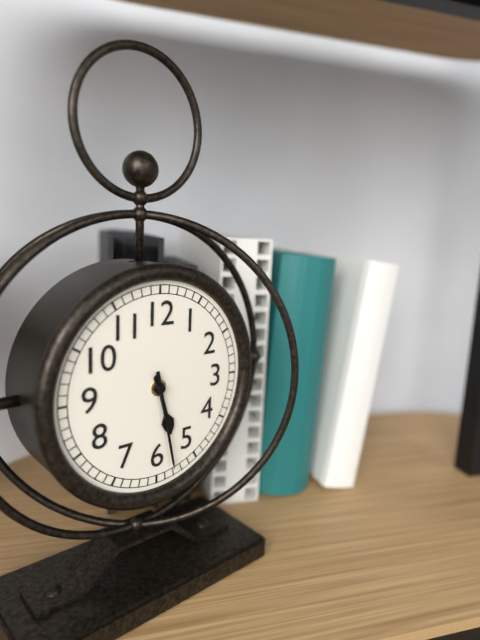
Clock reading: 5.28
